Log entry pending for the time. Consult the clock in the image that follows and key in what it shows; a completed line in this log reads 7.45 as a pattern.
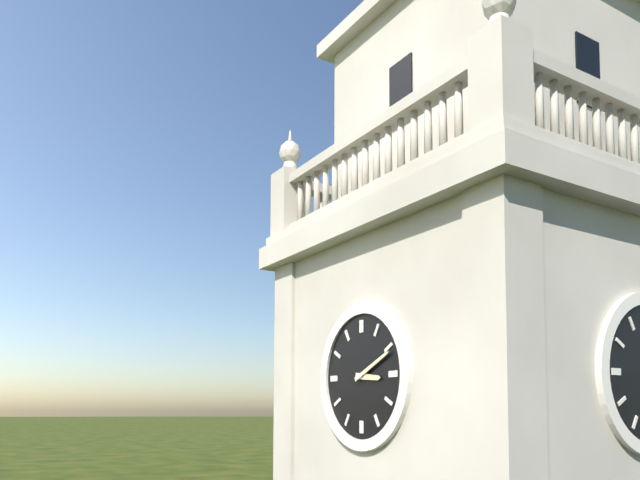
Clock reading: 3.11
